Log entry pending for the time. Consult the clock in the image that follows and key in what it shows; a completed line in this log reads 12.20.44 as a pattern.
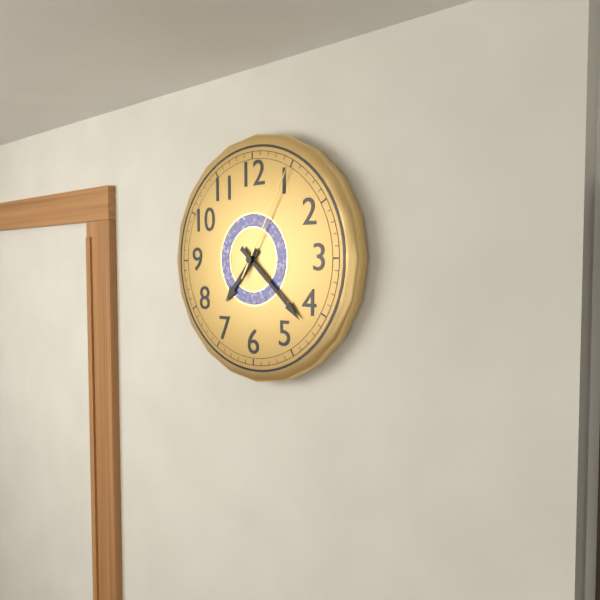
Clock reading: 7.22.05
